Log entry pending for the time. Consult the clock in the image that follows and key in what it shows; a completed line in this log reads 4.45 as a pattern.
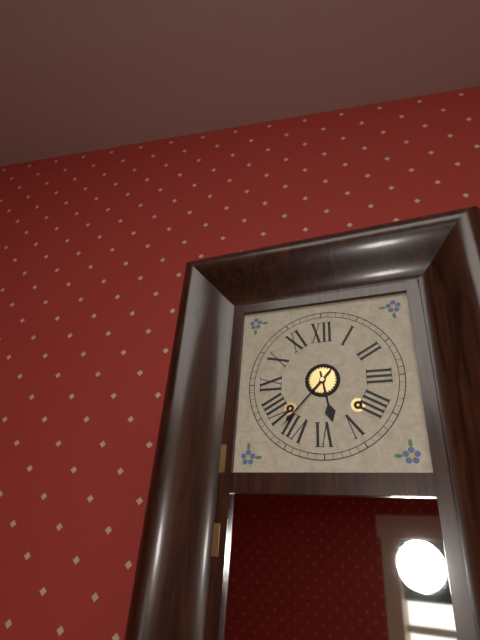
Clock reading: 5.37
